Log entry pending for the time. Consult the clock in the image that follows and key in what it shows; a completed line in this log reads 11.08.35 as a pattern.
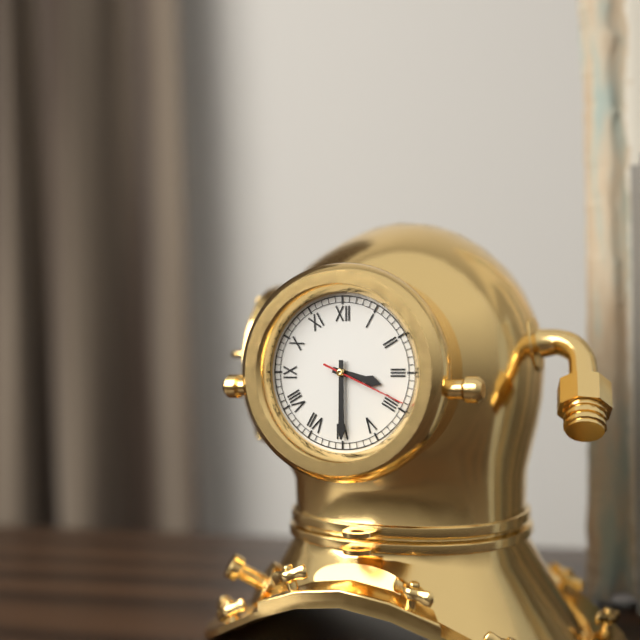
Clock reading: 3.30.19
